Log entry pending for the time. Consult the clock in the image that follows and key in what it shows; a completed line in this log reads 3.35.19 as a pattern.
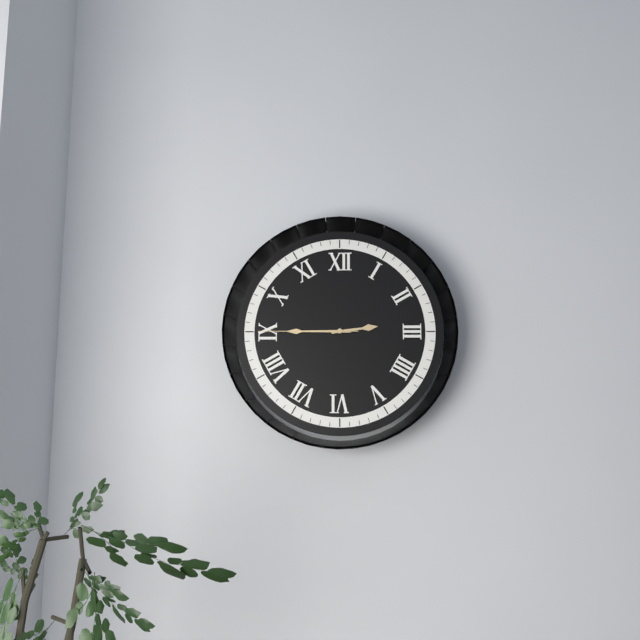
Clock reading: 2.45.45
